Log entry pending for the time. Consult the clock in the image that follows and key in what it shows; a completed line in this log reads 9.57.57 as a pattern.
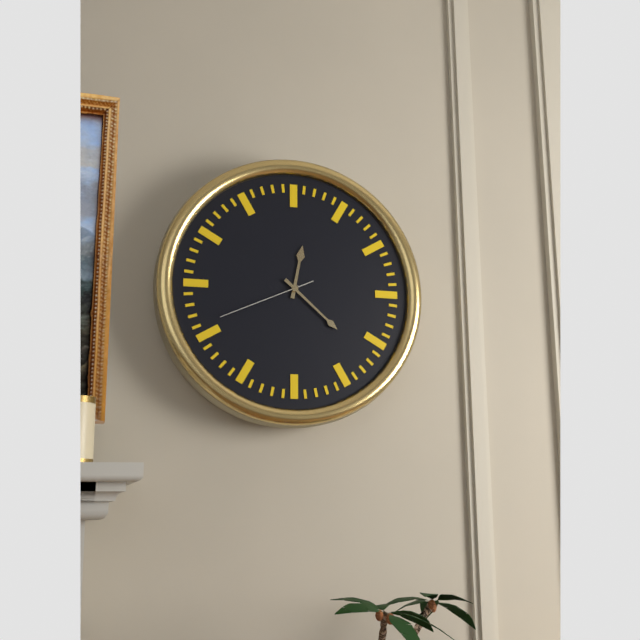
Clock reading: 12.22.41
